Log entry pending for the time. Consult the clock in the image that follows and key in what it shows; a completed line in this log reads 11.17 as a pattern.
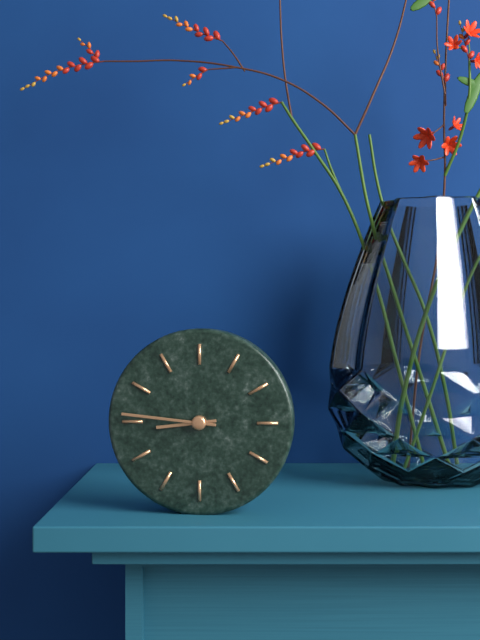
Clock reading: 8.46
